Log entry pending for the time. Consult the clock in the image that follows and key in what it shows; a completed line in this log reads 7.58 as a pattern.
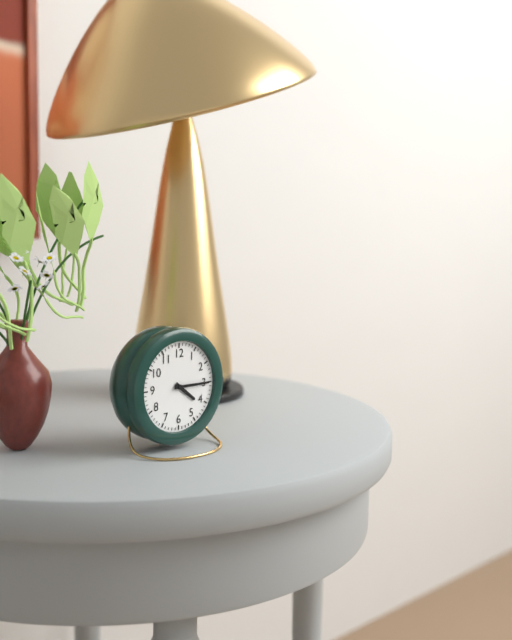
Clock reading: 4.15
